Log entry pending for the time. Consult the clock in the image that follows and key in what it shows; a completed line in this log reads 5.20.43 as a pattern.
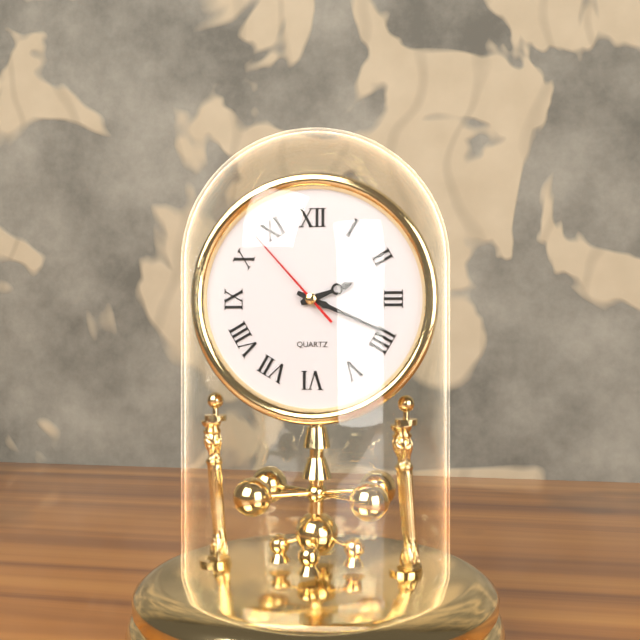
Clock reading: 2.19.53
